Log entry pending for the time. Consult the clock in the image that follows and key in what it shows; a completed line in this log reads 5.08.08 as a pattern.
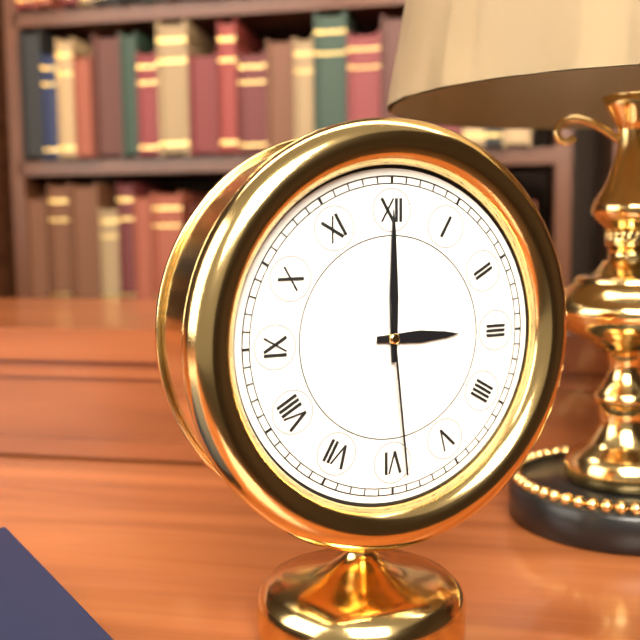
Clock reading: 3.00.29
